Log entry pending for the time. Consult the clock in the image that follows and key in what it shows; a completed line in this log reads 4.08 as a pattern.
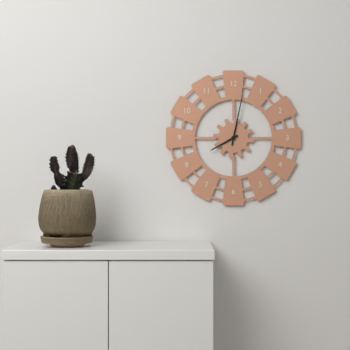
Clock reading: 8.02
